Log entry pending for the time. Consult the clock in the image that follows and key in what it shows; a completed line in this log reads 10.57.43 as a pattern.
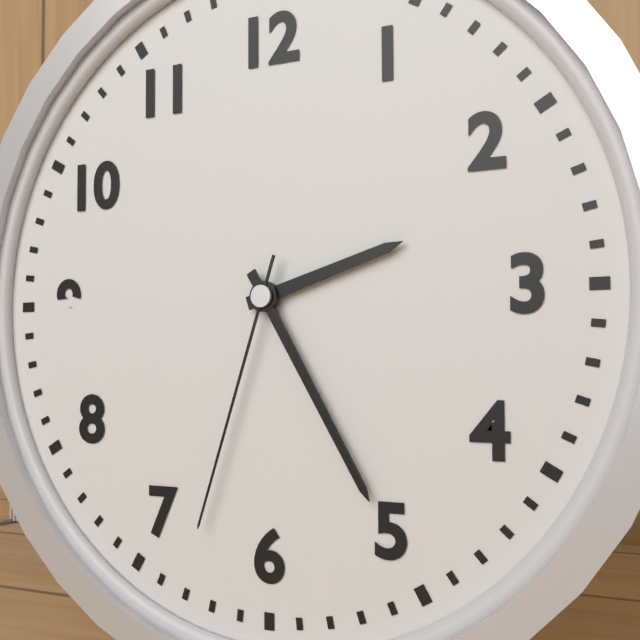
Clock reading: 2.25.33
